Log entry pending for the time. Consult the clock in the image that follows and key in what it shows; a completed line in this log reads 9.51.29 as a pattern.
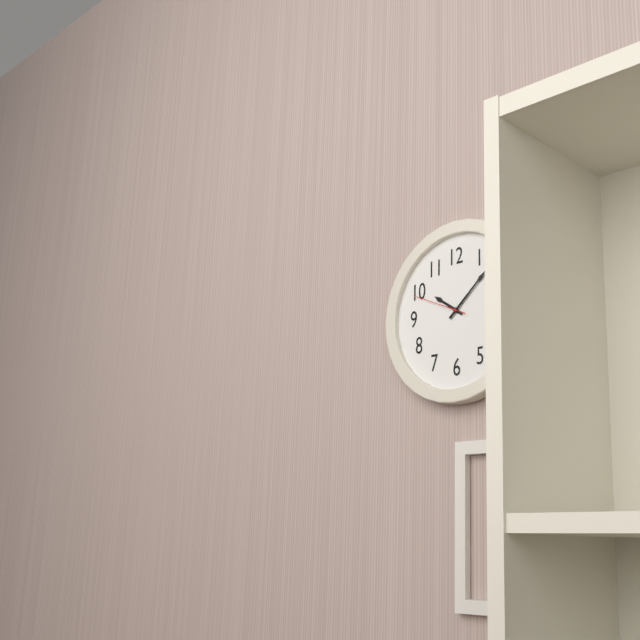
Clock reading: 10.08.49
